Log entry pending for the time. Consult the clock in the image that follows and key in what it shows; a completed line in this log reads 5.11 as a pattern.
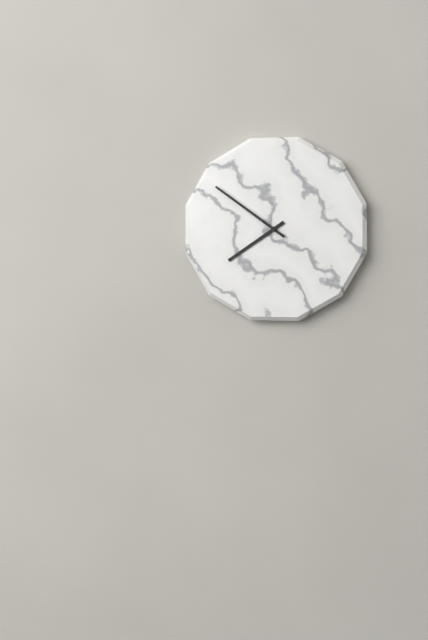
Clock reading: 7.51
